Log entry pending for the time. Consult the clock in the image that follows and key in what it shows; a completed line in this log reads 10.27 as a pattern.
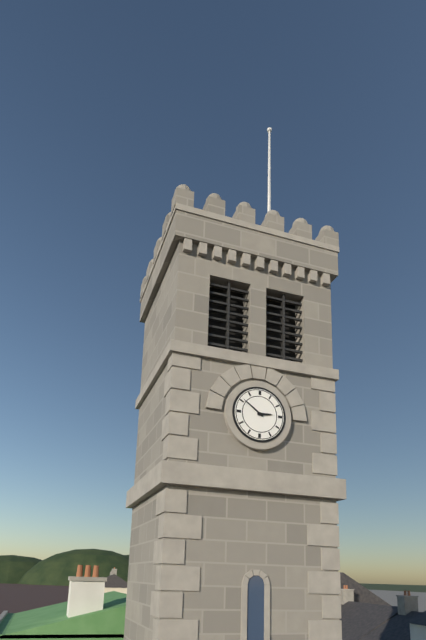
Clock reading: 2.51
